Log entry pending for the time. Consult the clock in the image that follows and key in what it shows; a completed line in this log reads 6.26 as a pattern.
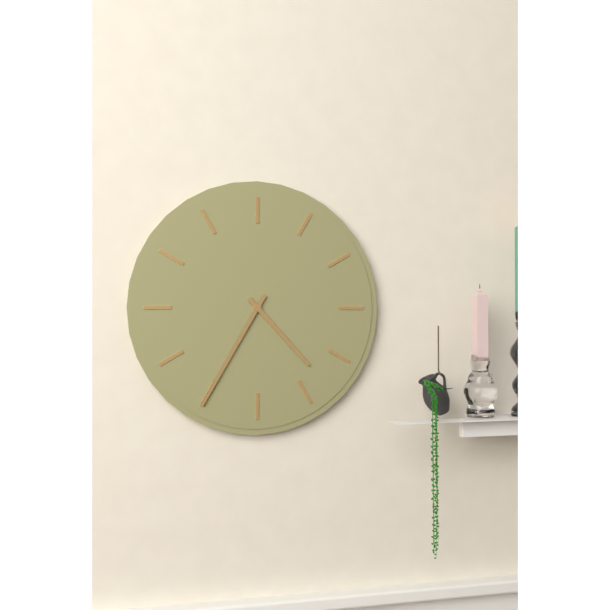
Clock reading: 4.35
